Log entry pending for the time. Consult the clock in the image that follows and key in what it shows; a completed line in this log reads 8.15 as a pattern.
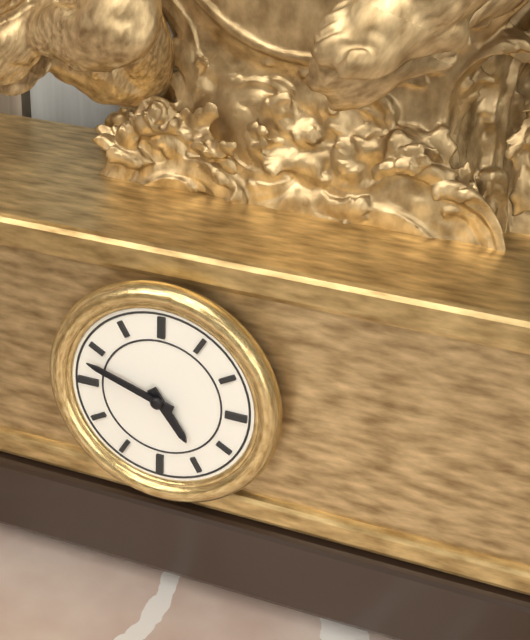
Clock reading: 4.48
